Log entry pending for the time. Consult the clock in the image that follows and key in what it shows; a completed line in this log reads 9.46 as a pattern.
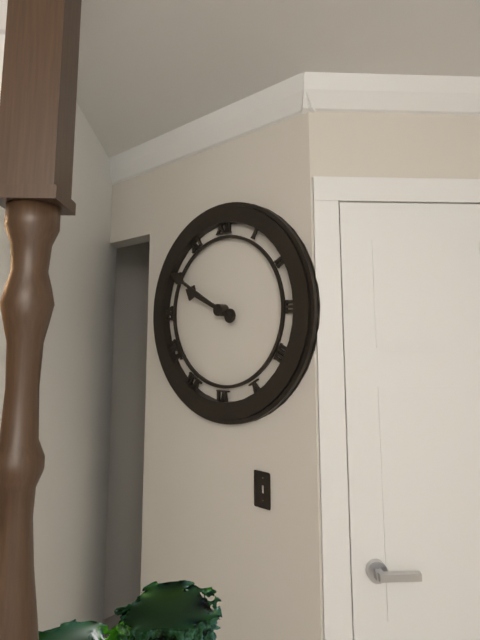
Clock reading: 9.50
